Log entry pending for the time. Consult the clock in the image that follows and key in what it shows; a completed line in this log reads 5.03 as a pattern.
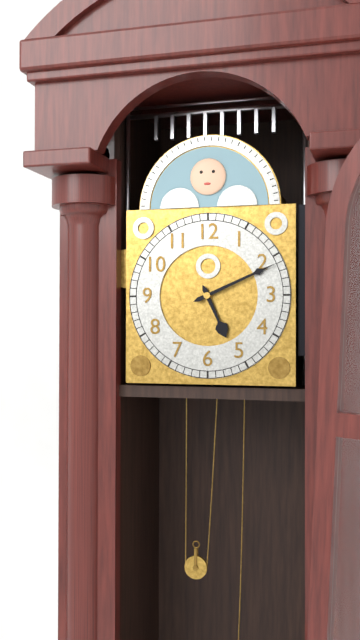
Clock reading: 5.11
